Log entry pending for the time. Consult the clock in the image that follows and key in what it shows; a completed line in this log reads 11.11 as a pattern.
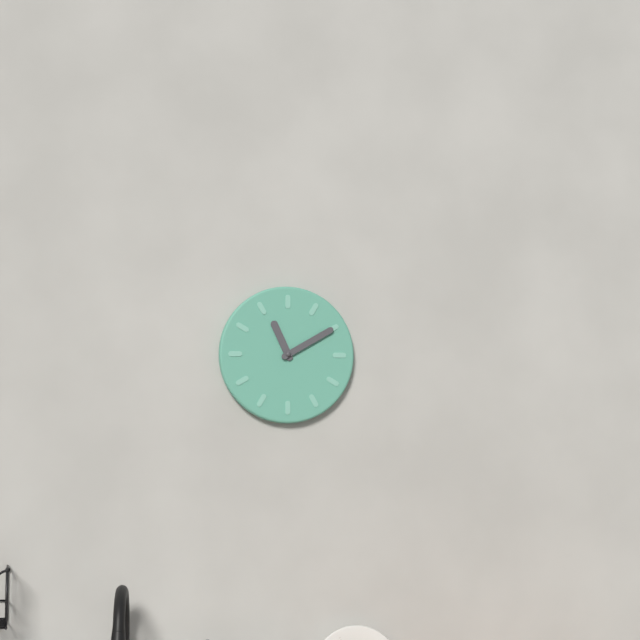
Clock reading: 11.10
